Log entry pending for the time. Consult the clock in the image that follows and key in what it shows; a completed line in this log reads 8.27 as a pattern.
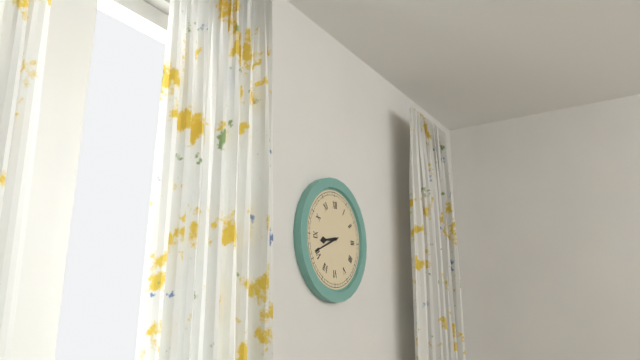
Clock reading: 8.41
